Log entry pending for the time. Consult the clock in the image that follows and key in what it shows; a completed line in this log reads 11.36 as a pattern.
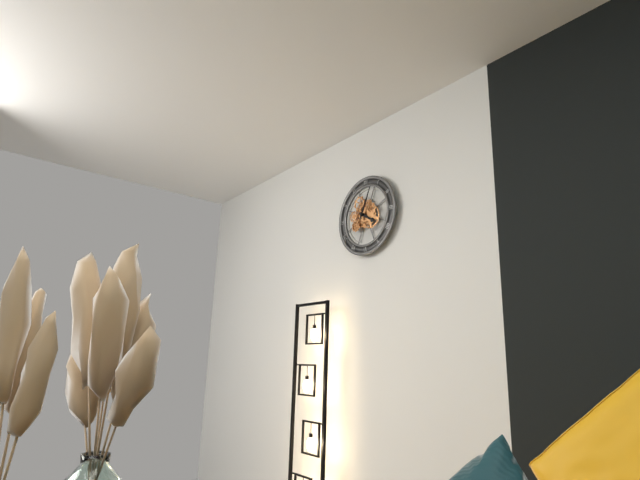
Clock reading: 4.04
